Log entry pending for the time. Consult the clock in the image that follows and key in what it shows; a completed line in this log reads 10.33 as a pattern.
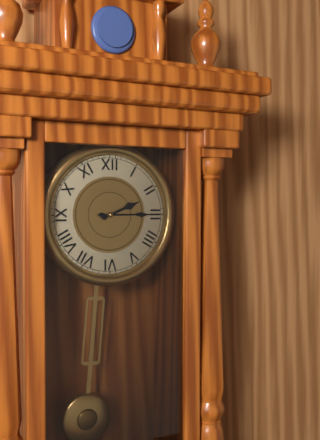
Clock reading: 2.15
